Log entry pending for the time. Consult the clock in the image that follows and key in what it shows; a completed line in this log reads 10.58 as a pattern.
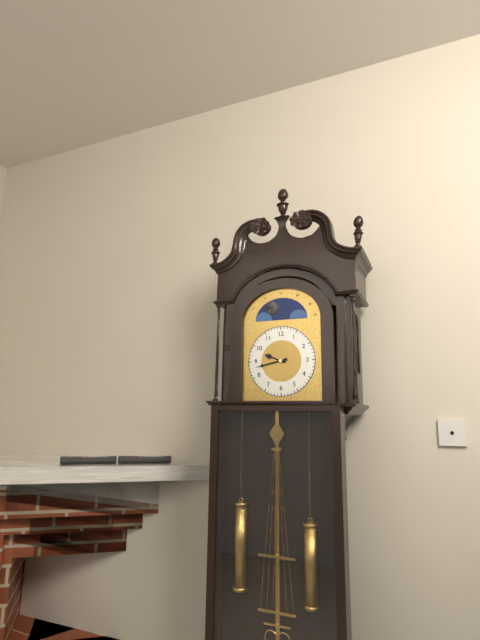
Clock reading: 9.43
